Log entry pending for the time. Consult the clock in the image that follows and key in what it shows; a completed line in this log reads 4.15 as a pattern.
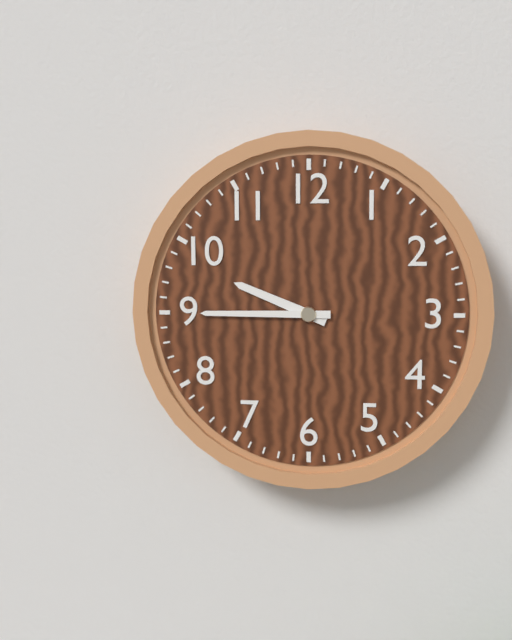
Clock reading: 9.45
